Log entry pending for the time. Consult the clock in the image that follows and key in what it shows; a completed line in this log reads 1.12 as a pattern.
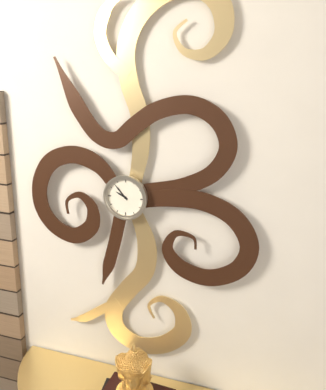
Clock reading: 9.53
